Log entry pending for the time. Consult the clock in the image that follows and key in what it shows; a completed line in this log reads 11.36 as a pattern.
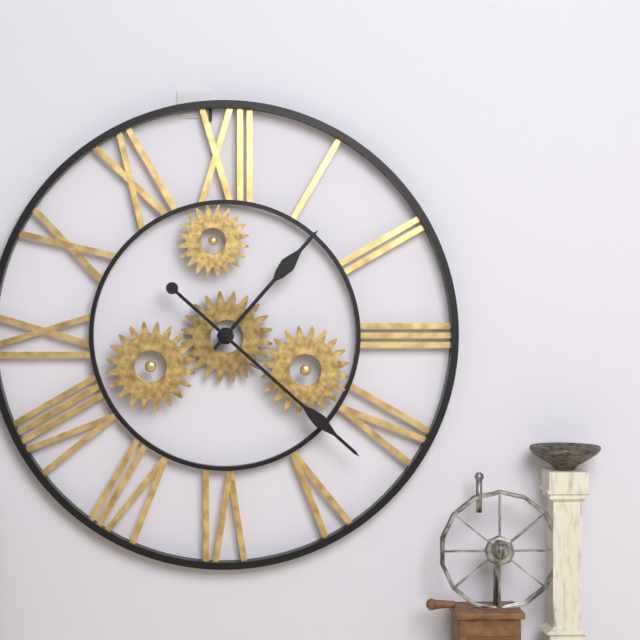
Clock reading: 1.22
